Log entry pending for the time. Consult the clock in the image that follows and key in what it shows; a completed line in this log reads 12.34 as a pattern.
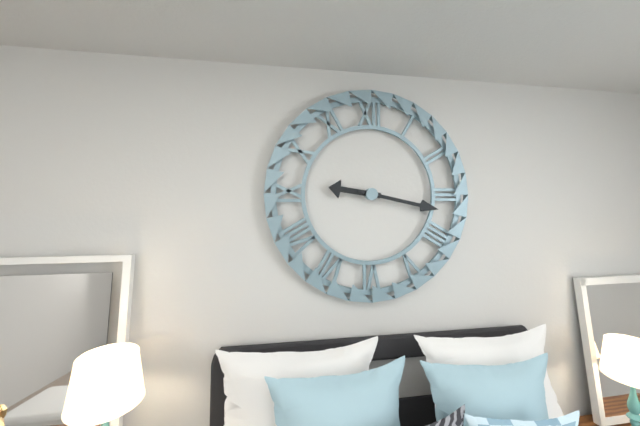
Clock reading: 9.17
